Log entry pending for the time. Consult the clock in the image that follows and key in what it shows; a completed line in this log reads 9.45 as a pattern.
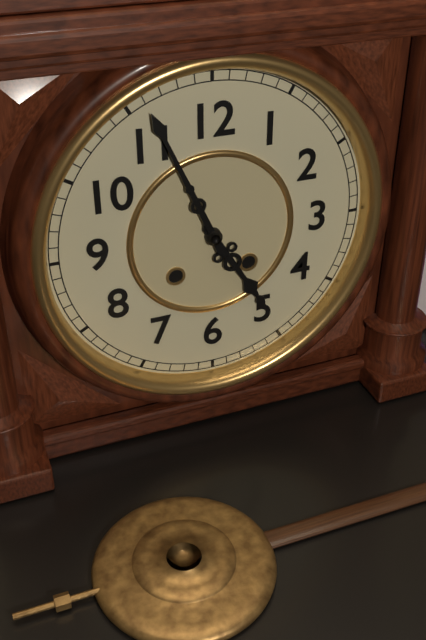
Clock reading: 4.56
